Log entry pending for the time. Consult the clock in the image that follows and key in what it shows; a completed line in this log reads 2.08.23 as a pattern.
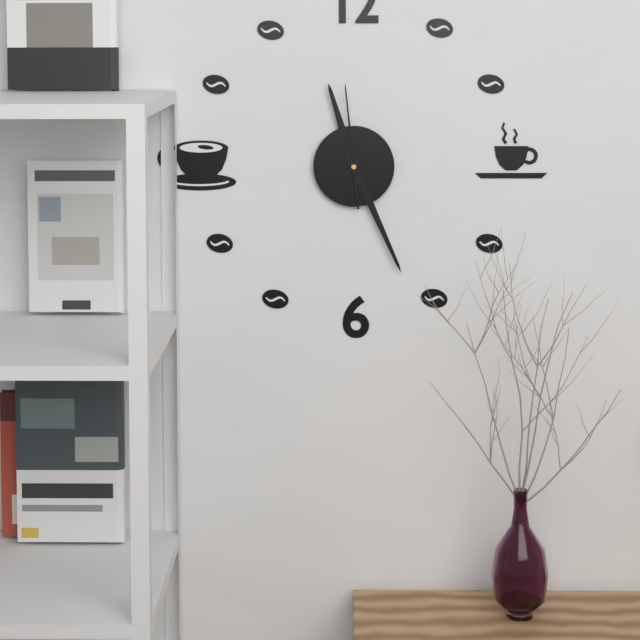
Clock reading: 11.26.59
